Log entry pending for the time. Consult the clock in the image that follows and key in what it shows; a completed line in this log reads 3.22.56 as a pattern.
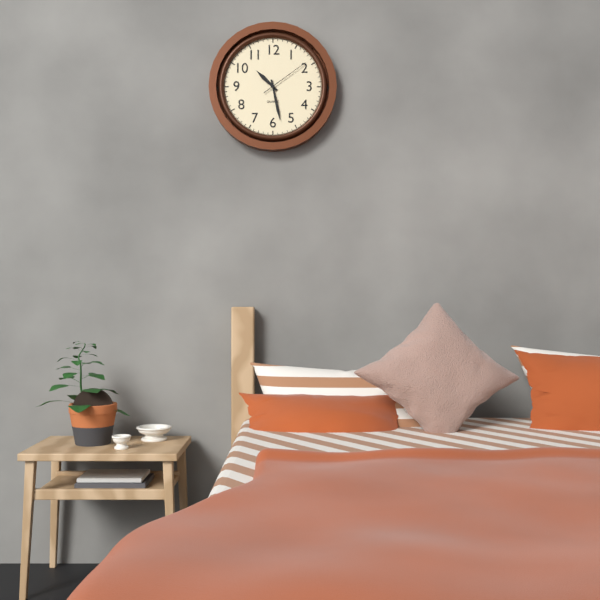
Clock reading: 10.28.09
